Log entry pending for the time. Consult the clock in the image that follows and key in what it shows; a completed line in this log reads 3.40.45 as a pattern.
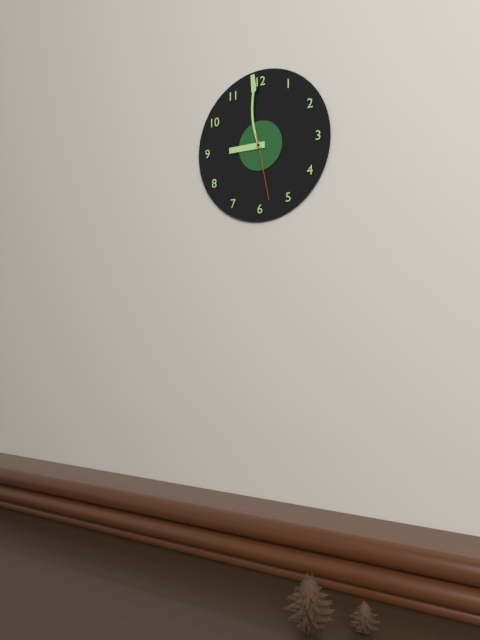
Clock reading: 8.59.28
